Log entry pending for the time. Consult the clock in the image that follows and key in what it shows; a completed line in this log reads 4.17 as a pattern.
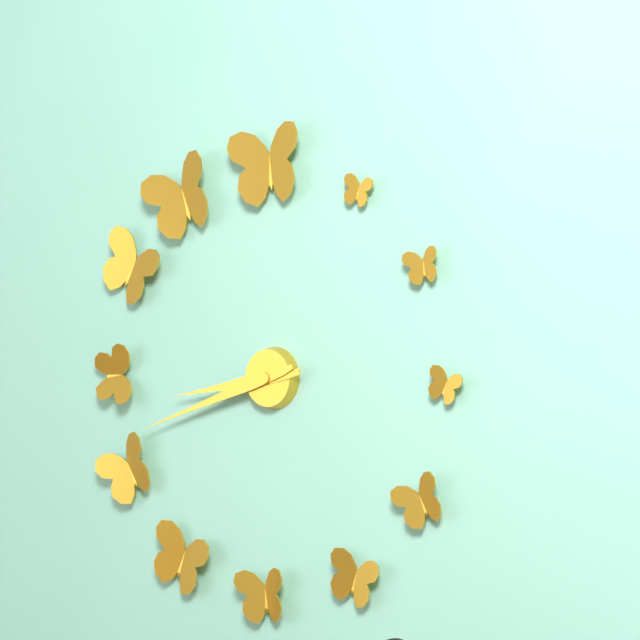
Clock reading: 8.42
